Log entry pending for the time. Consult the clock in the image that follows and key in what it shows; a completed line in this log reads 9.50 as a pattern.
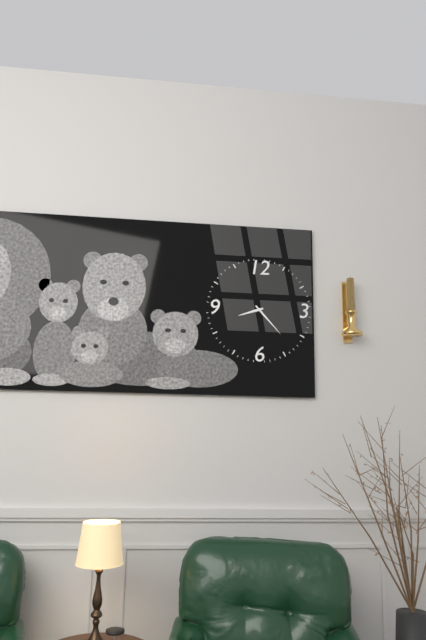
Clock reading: 8.23
